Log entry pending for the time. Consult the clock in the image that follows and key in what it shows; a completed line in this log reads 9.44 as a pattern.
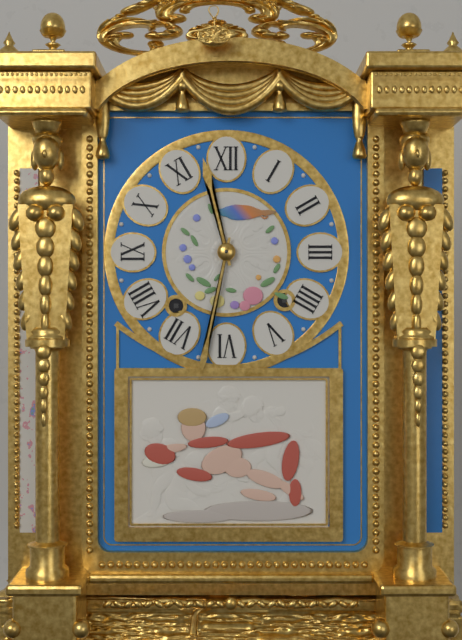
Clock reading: 11.32
